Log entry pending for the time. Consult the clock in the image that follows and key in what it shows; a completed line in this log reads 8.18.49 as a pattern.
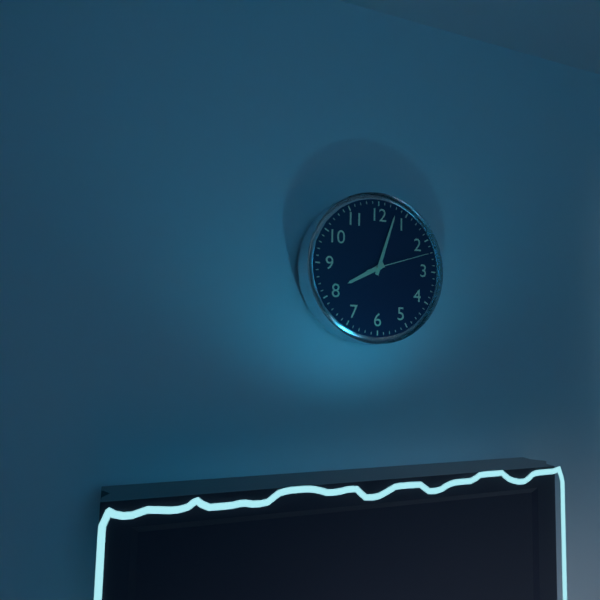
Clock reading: 8.03.12
